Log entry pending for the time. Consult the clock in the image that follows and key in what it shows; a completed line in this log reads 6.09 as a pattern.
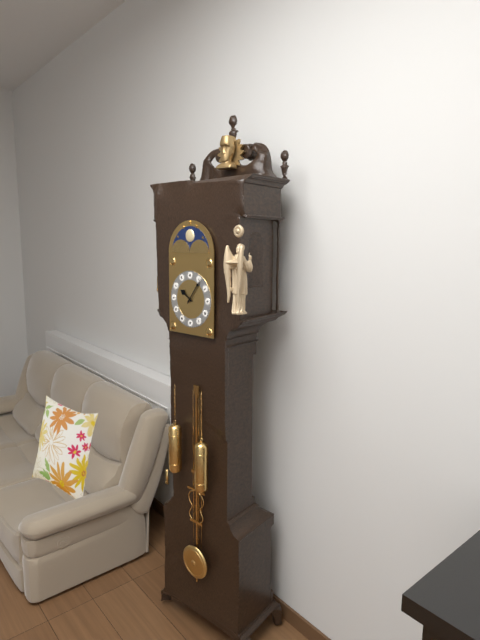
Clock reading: 10.06
